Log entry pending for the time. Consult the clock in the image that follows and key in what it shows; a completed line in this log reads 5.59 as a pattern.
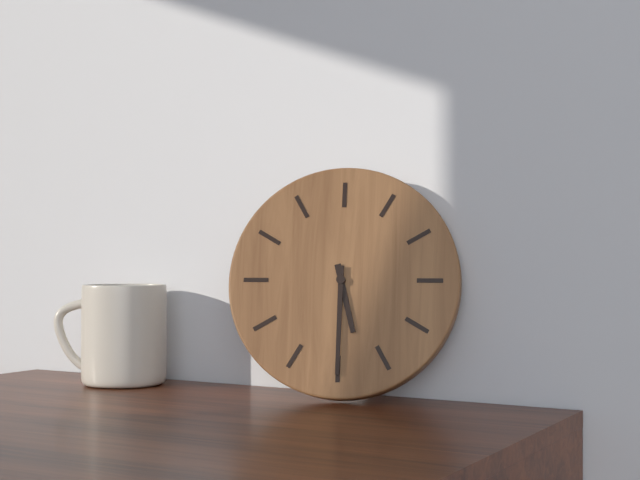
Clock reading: 5.30
